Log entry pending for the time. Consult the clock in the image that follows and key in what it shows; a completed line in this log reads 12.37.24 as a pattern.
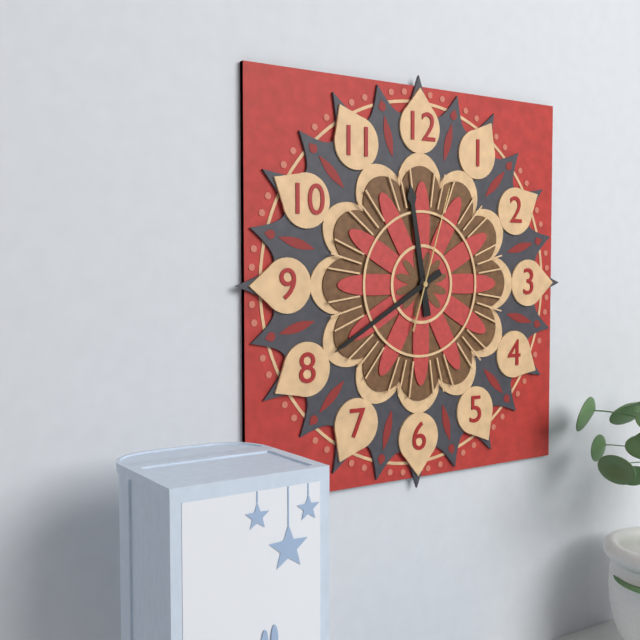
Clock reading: 11.40.03
